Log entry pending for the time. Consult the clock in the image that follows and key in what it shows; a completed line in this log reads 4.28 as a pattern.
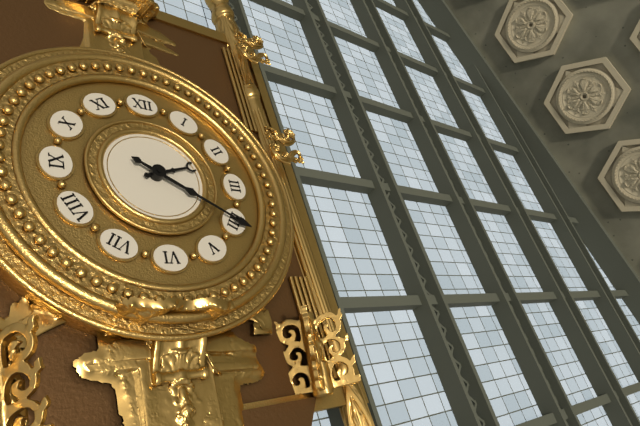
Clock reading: 2.20
